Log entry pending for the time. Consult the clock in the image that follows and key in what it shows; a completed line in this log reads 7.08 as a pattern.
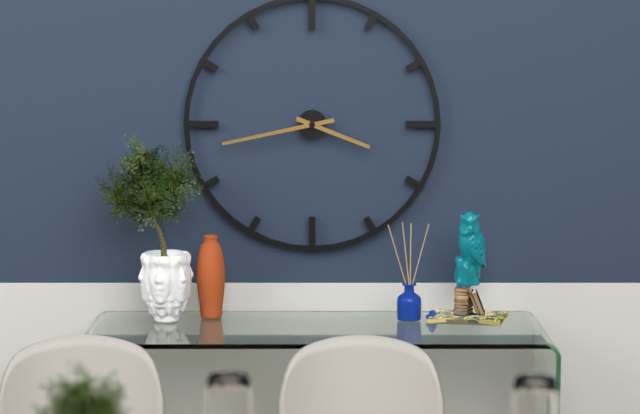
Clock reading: 3.43
